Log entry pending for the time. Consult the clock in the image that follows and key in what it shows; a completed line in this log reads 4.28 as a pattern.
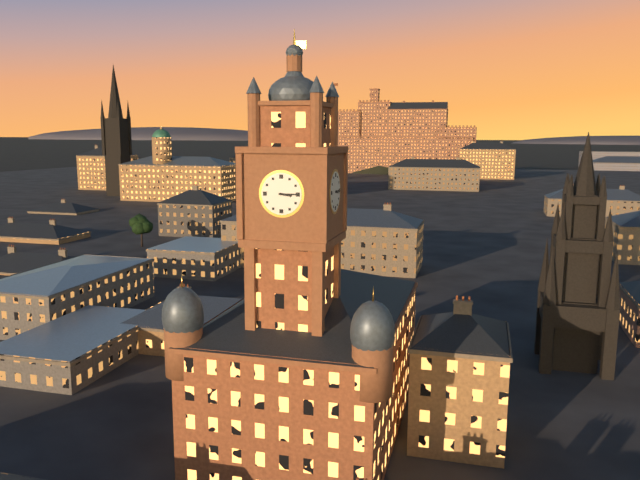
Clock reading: 3.15
